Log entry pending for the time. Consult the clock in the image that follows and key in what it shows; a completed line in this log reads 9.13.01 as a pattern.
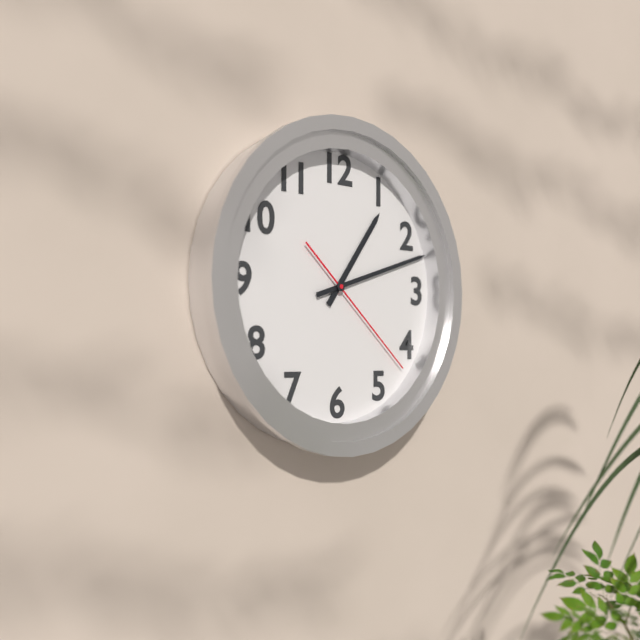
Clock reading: 1.12.22
